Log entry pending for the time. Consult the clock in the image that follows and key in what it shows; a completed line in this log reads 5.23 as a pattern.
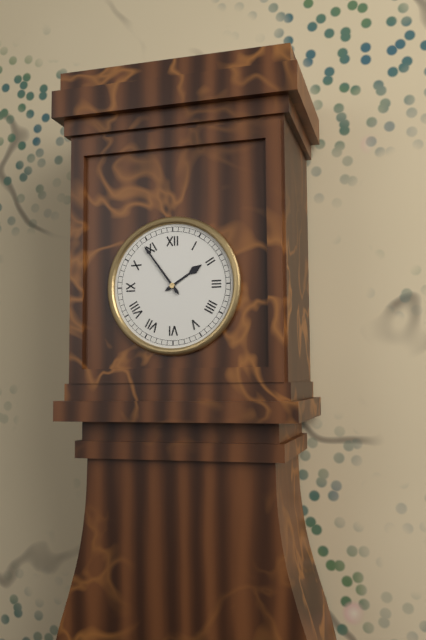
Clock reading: 1.54
